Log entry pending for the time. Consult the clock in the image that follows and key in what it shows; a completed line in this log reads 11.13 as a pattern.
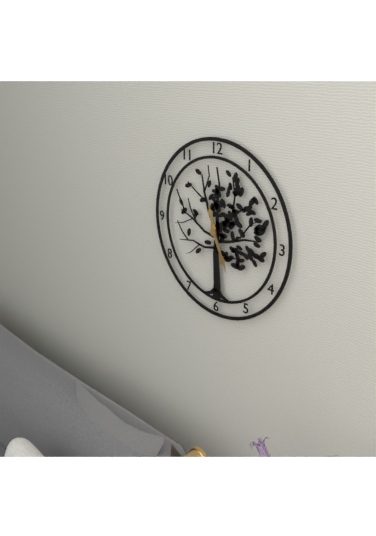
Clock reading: 11.26
